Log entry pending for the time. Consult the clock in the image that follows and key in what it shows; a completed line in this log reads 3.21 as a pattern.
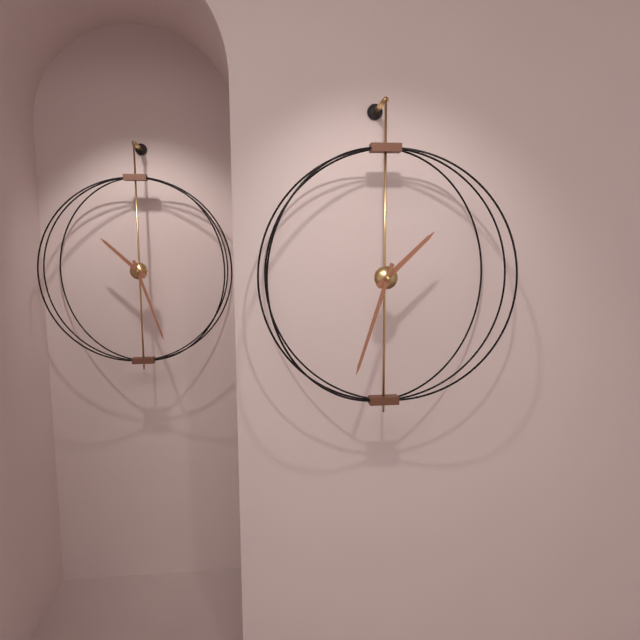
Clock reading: 1.33
